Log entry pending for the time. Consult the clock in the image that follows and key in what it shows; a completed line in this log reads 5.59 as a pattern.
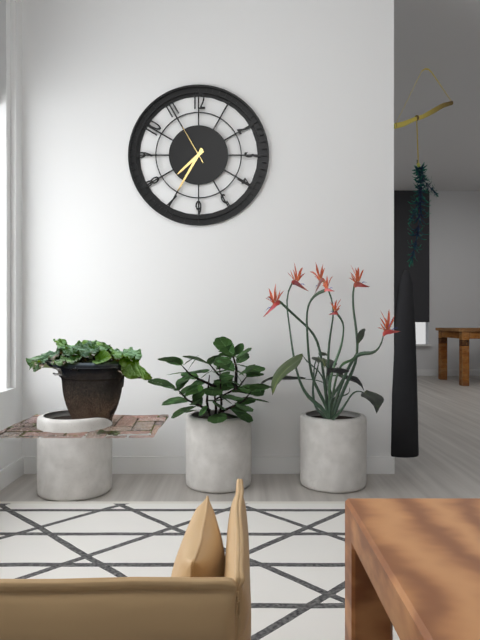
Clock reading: 7.35
